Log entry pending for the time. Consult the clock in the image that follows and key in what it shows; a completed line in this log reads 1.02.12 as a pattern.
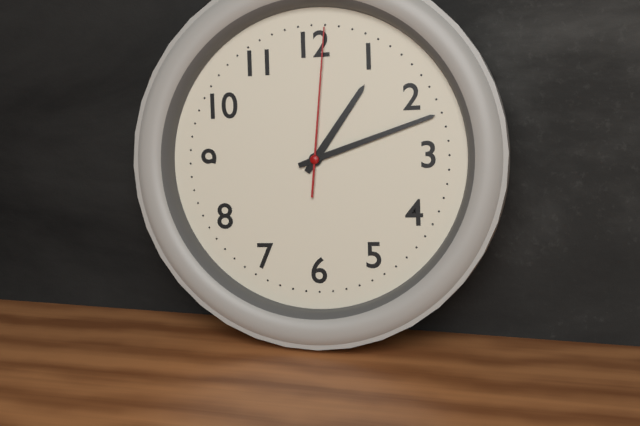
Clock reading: 1.12.01
